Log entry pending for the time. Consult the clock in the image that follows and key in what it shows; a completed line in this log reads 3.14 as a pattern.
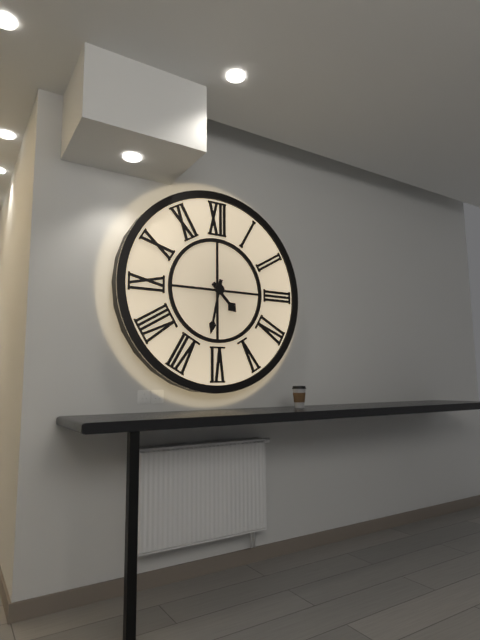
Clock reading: 4.32
